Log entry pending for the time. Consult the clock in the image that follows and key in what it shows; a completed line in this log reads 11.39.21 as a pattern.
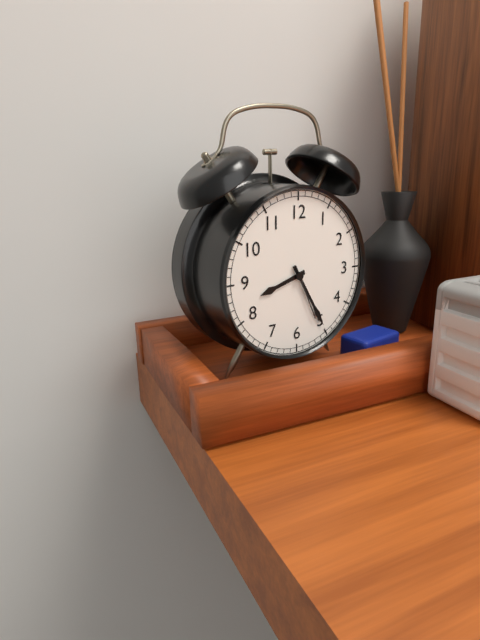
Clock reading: 8.25.26
